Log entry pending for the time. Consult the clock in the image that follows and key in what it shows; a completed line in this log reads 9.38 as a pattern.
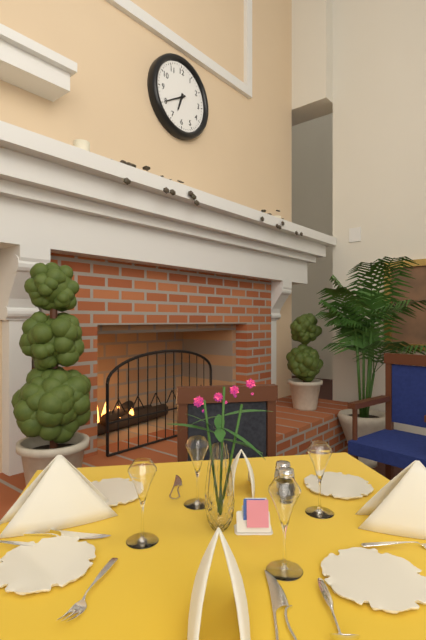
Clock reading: 6.40
